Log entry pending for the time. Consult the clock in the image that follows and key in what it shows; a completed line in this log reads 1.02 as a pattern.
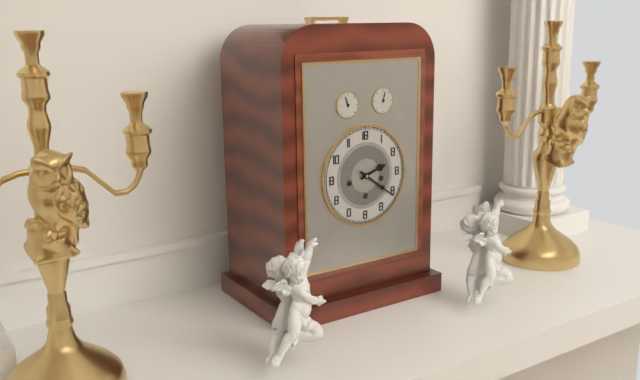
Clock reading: 2.21
